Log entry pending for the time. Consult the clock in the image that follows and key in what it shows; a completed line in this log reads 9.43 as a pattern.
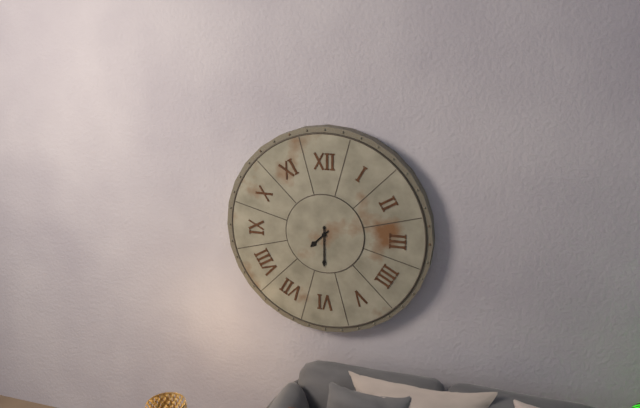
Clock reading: 7.30
